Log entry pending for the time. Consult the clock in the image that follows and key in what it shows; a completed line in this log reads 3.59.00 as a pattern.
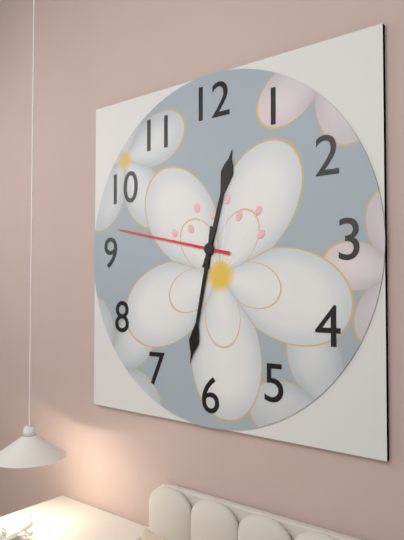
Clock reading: 12.32.47
